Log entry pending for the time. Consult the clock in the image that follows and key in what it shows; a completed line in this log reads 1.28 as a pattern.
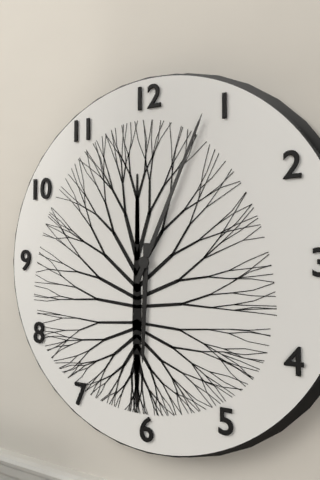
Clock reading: 6.04
